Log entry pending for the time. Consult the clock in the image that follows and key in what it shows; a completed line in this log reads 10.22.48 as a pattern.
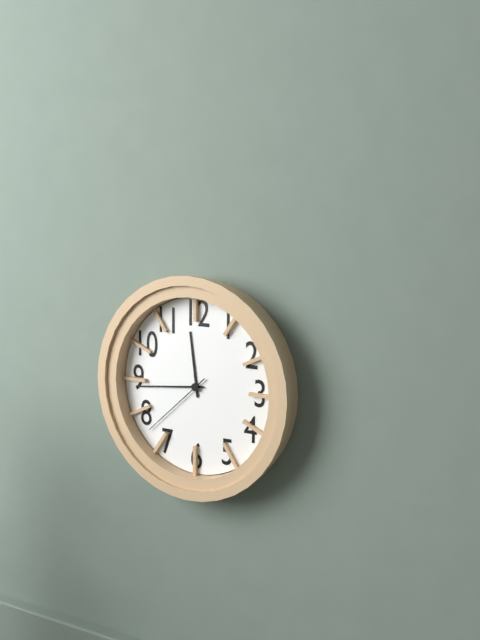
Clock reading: 11.44.38
